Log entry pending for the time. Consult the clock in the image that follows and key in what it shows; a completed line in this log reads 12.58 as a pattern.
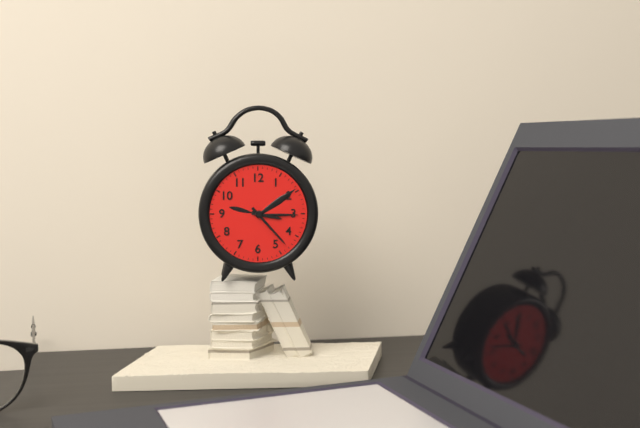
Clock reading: 3.23
